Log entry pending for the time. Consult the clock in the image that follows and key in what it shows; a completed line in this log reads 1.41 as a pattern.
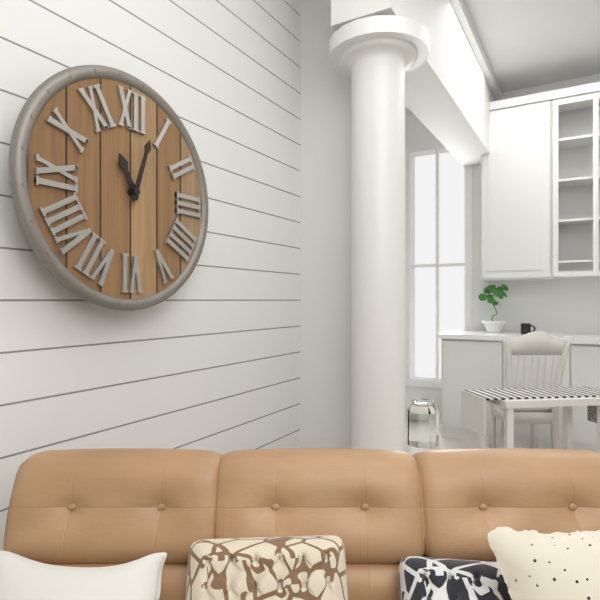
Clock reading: 11.03
